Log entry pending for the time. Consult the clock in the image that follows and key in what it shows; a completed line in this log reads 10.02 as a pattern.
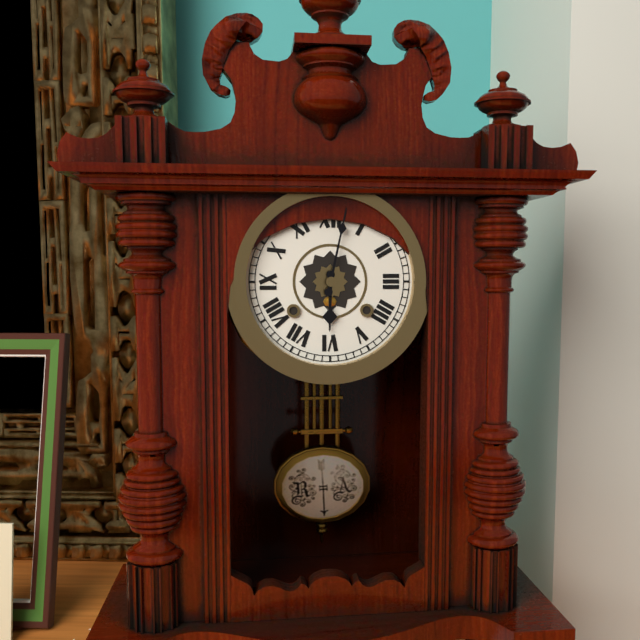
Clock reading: 6.02
